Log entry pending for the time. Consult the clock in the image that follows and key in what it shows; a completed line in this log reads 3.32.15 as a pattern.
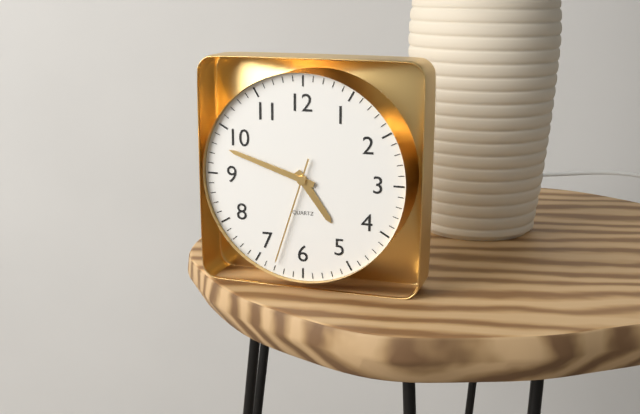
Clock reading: 4.48.33
